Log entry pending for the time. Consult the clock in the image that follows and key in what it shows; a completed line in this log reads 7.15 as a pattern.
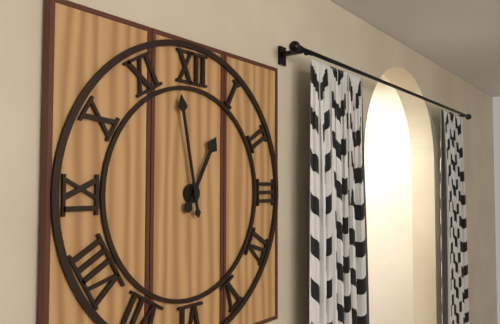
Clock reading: 12.58
